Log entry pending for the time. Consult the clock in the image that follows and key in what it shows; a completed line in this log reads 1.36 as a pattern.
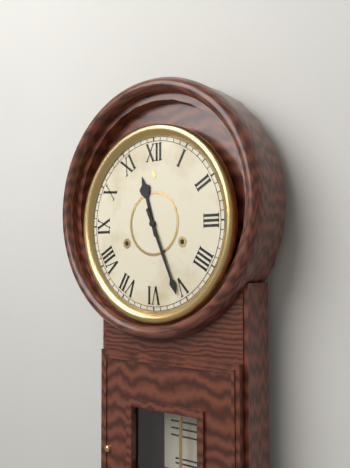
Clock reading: 11.26
